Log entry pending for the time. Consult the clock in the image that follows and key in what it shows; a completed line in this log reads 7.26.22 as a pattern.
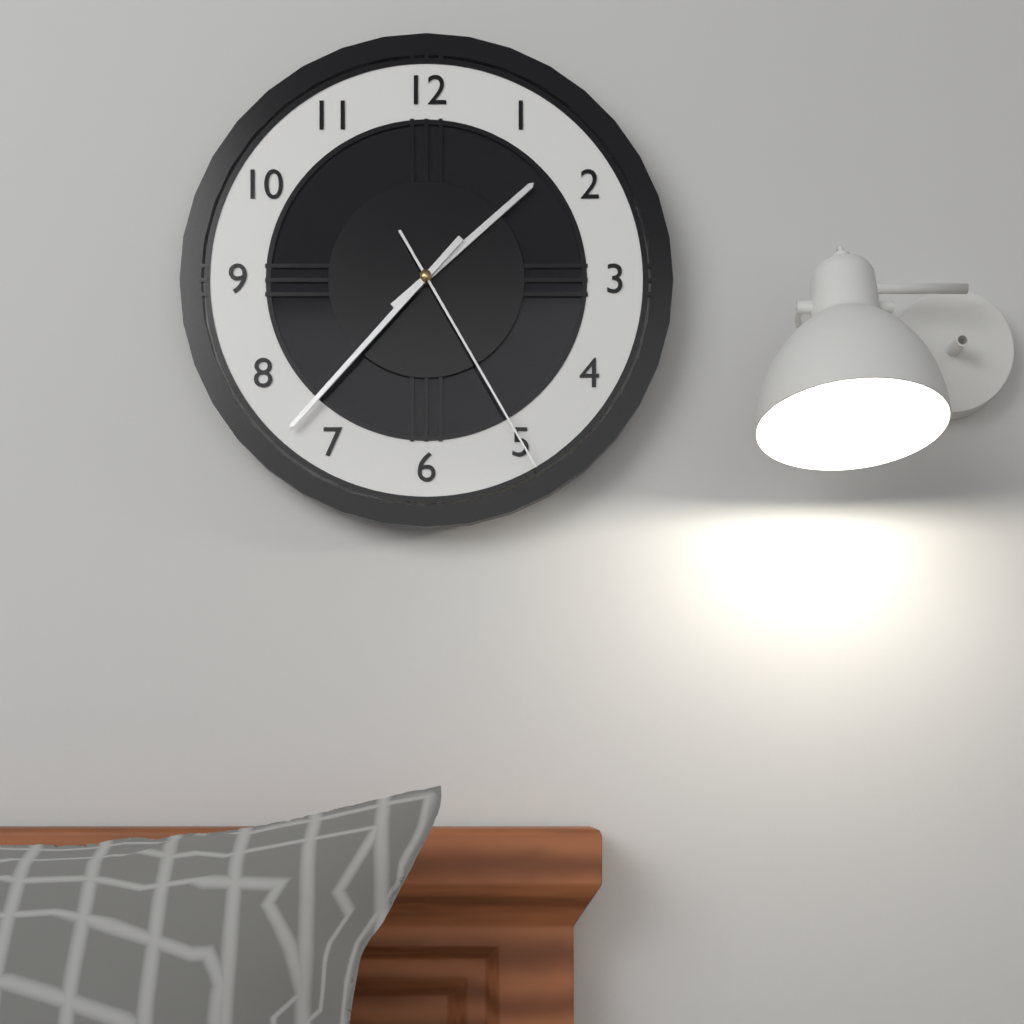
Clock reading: 1.37.25
